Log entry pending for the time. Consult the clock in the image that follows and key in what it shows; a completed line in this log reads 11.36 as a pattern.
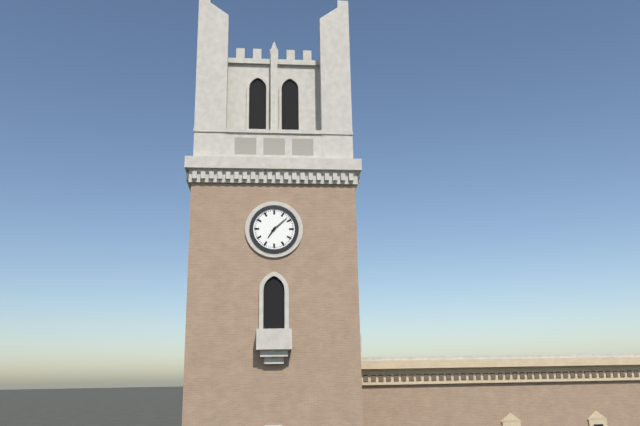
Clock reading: 7.08
